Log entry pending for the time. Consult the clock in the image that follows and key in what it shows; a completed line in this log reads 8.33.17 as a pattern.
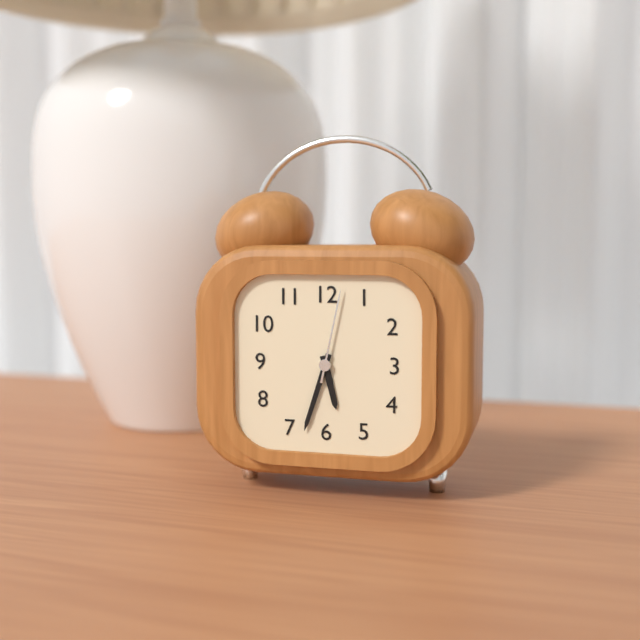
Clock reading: 5.33.02
